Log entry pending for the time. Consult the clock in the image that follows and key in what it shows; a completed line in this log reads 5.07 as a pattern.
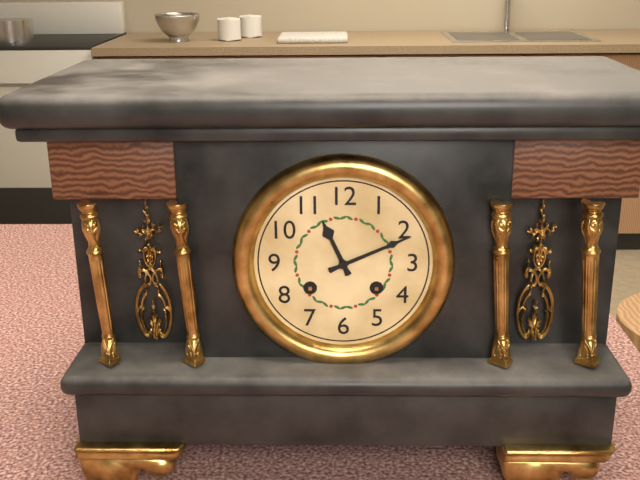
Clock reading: 11.11
